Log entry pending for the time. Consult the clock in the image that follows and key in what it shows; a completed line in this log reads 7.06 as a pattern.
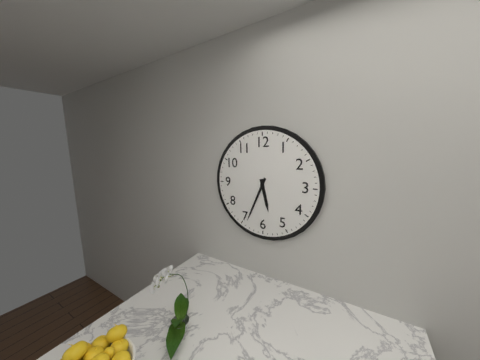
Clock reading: 5.34
